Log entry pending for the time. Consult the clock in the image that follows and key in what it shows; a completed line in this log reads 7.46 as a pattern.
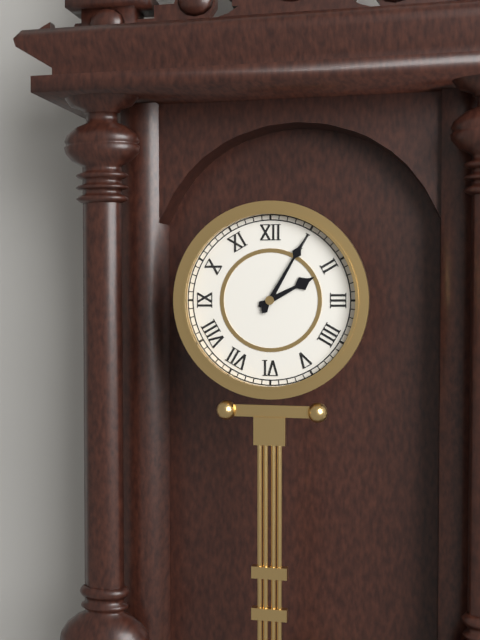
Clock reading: 2.05
